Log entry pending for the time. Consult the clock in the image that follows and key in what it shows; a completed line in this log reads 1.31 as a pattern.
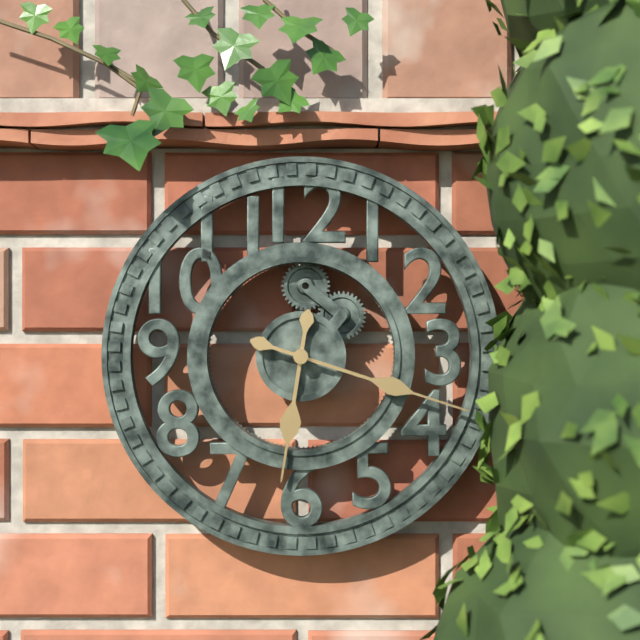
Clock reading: 6.18
